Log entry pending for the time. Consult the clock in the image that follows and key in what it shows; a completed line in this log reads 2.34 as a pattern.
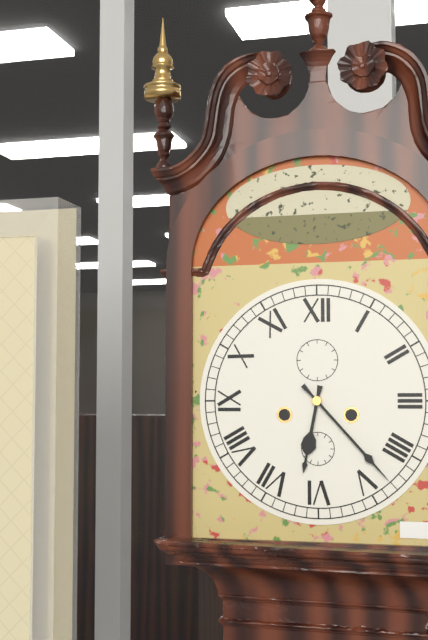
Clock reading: 6.23
